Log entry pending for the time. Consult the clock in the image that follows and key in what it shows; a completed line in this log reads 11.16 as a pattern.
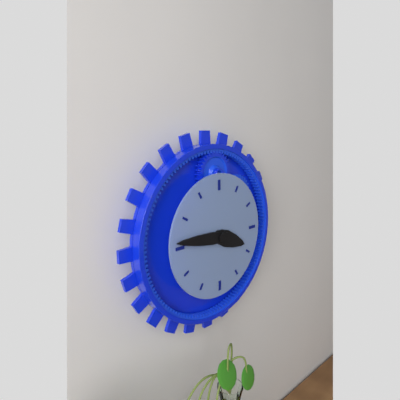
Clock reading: 3.46
